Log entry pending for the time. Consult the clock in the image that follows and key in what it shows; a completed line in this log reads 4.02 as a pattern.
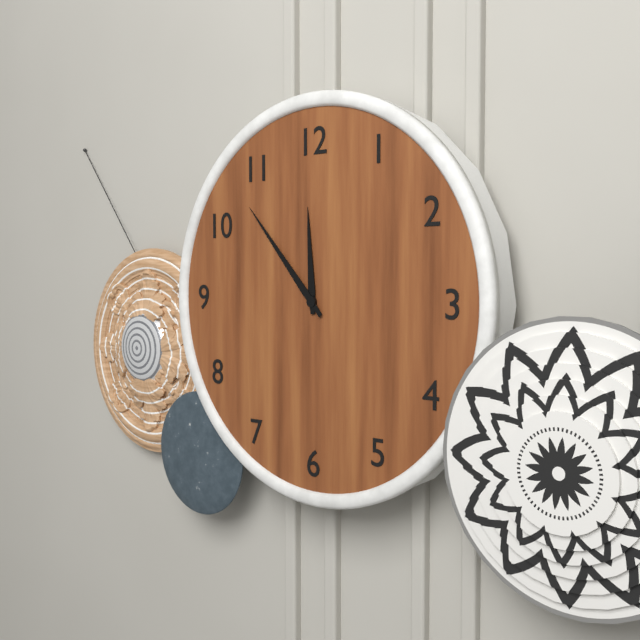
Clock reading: 11.53
